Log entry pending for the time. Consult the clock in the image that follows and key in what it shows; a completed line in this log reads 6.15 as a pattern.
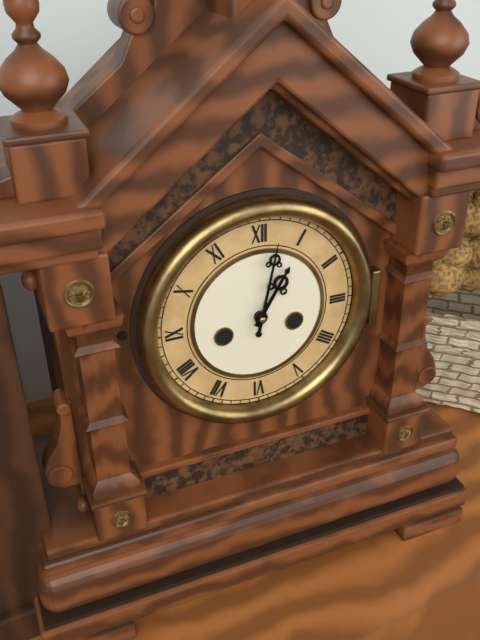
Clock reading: 1.02
